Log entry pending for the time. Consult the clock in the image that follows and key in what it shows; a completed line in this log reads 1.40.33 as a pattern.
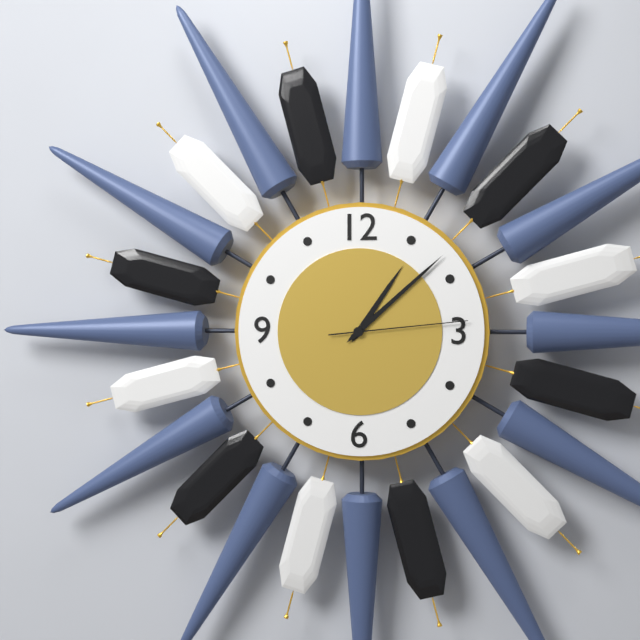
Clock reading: 1.08.14
